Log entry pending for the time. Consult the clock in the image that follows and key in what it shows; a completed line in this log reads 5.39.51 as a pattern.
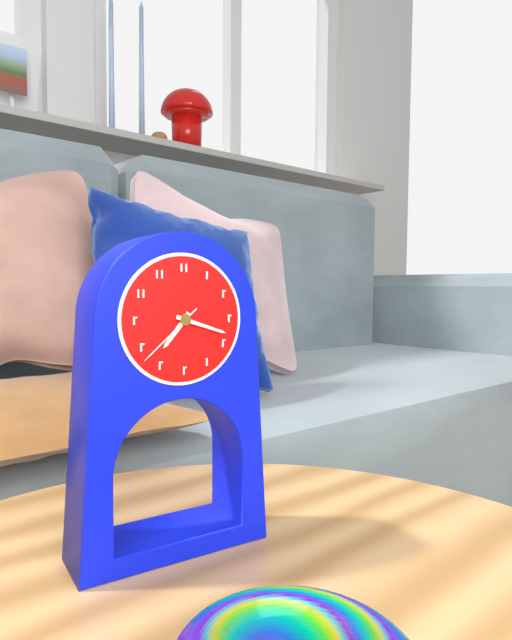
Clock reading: 7.18.38
